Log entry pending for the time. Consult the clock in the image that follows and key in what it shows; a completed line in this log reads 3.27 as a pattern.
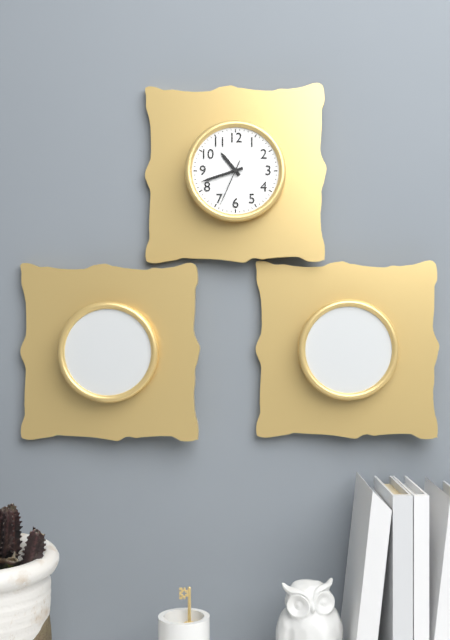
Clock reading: 10.42
